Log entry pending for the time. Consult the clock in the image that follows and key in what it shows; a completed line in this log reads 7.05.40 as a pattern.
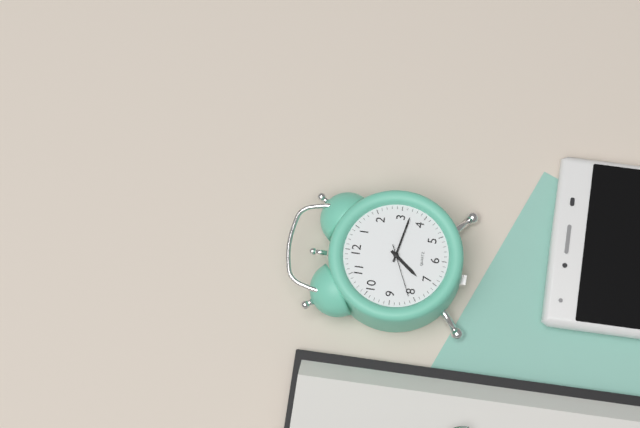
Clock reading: 7.17.41
